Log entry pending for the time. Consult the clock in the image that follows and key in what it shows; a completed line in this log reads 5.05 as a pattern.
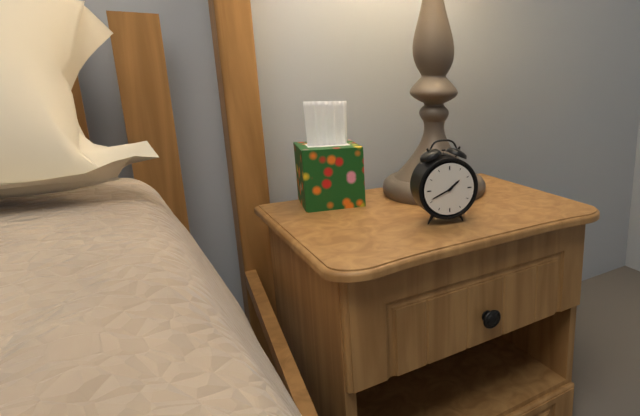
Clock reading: 1.41
